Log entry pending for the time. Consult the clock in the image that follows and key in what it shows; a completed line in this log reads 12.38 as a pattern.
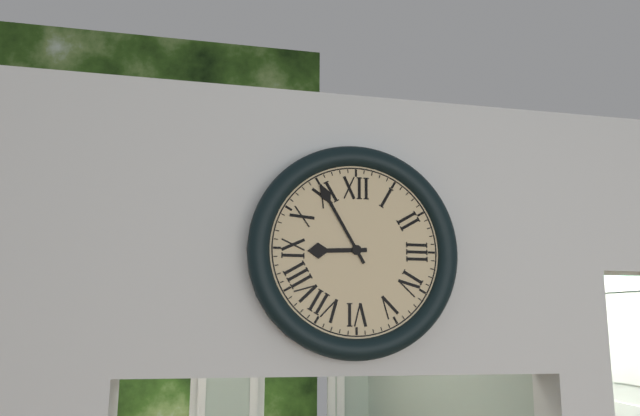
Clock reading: 8.55
